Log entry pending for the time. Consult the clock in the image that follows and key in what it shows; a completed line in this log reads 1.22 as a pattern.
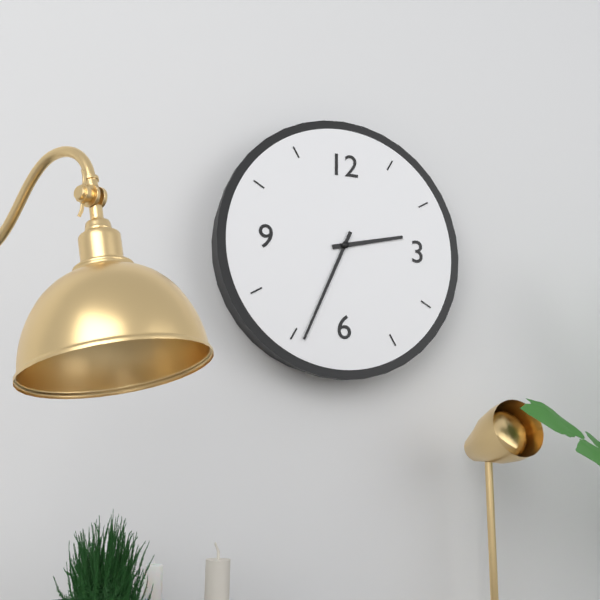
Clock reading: 2.34
